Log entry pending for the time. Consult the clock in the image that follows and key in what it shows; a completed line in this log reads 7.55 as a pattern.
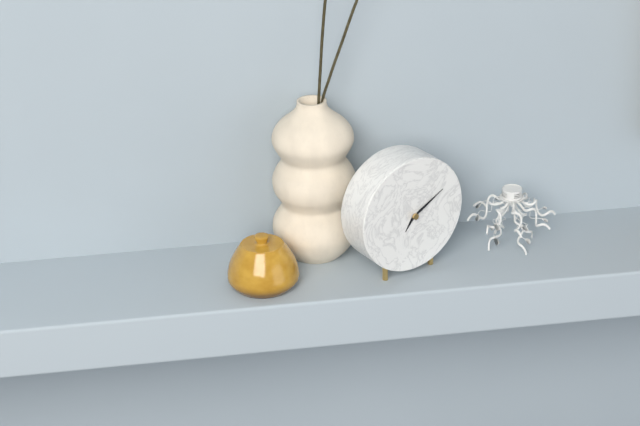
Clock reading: 7.10
